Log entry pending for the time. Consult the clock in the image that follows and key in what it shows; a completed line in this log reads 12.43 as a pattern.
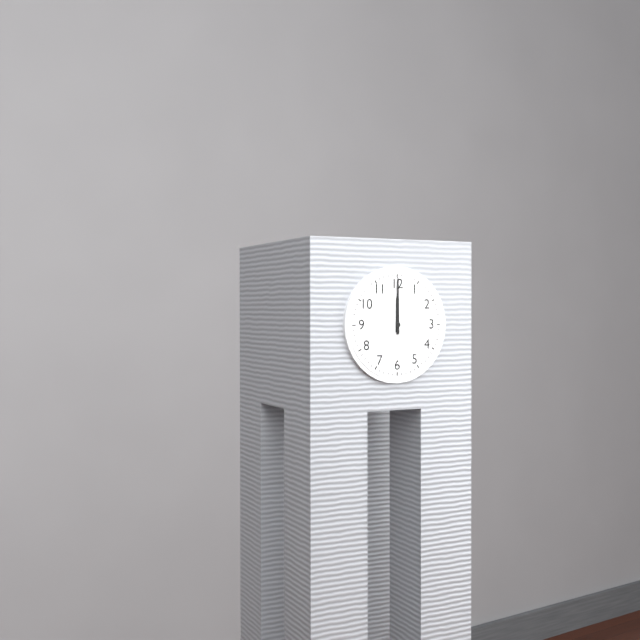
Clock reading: 12.00
